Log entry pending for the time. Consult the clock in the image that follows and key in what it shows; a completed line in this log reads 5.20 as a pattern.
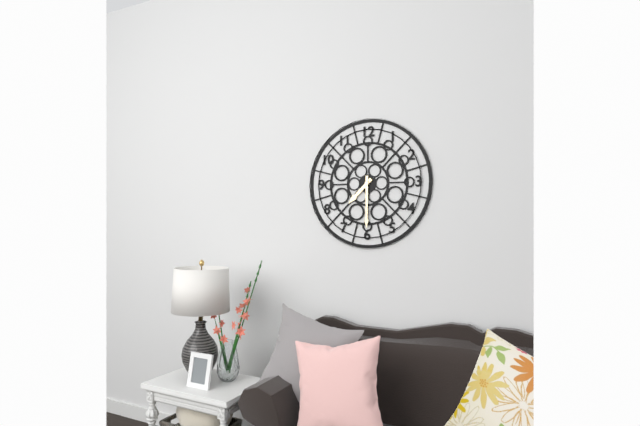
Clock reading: 7.30
